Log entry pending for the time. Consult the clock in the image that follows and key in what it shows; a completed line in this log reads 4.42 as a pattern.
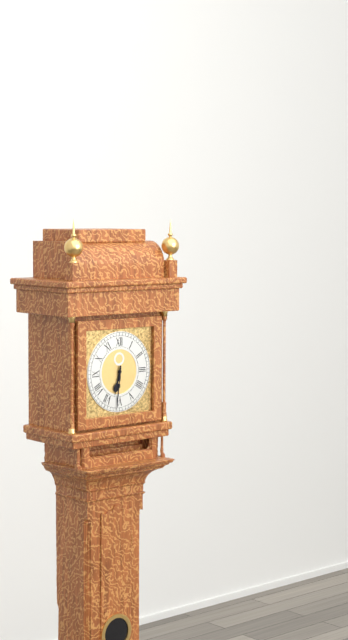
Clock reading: 6.31
